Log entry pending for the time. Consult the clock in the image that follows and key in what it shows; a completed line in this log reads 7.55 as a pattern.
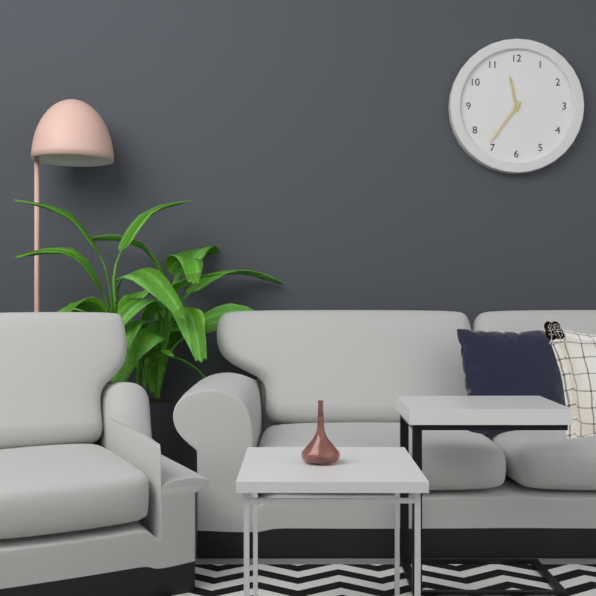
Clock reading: 11.36
